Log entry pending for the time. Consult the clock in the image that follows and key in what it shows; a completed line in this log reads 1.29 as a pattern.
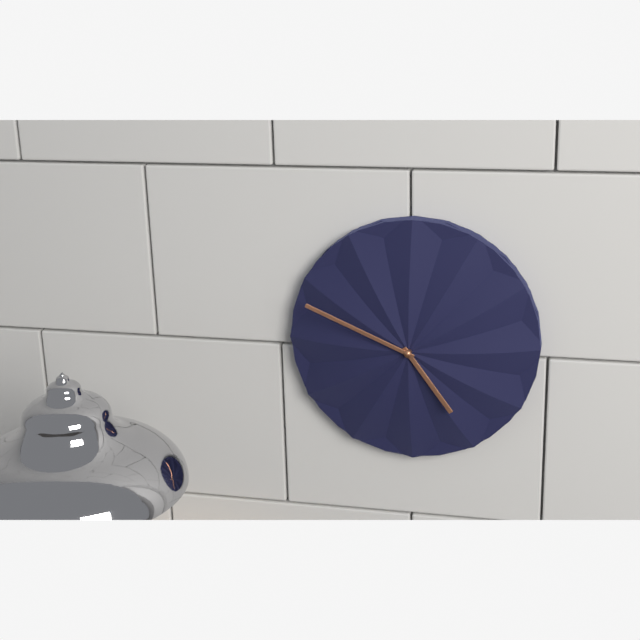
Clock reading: 4.49
